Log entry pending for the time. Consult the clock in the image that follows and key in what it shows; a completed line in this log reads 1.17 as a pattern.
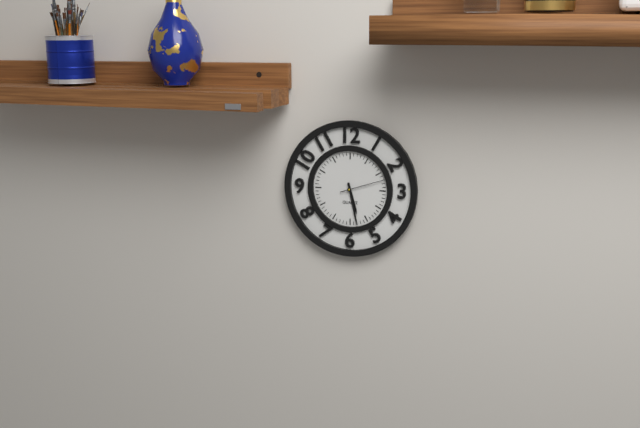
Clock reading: 5.28
